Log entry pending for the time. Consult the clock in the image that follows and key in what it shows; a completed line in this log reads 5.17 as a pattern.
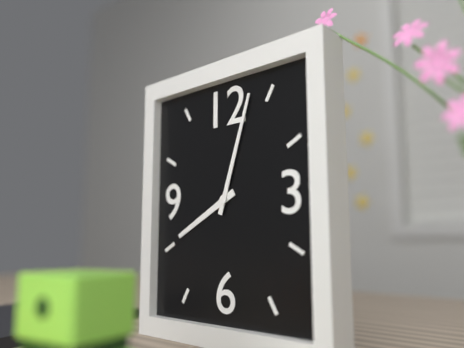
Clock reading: 8.03
